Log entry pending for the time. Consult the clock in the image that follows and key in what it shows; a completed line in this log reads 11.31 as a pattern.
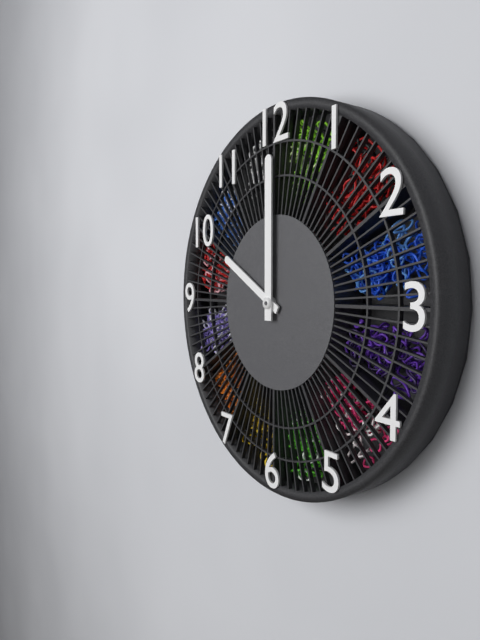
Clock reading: 10.00
